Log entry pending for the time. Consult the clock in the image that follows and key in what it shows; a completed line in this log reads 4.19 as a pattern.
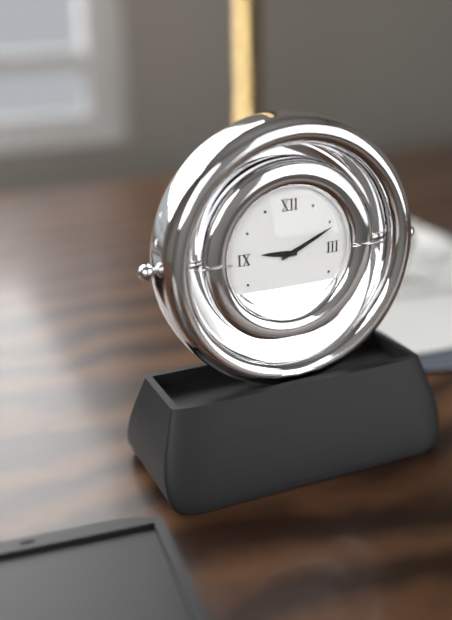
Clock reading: 9.11
